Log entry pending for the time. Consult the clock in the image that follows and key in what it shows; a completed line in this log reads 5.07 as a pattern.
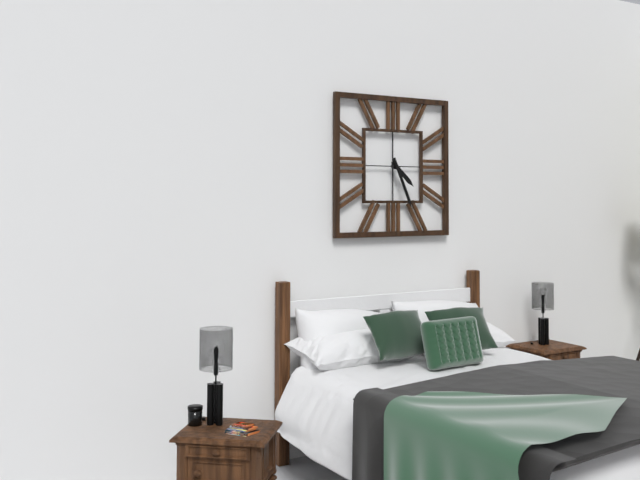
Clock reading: 4.26
